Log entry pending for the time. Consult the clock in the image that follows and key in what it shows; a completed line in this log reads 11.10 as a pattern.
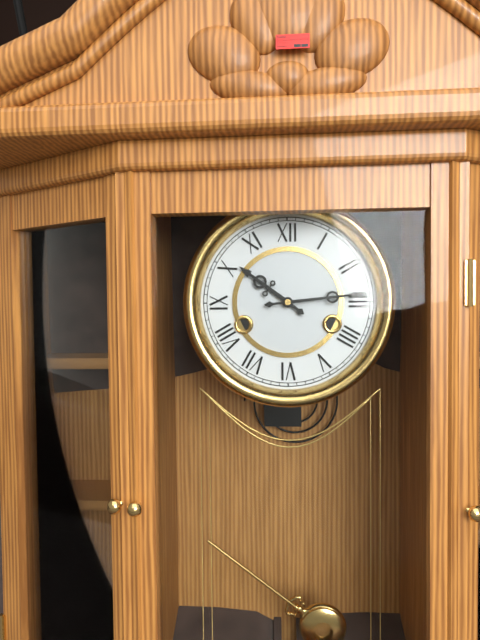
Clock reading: 10.14
